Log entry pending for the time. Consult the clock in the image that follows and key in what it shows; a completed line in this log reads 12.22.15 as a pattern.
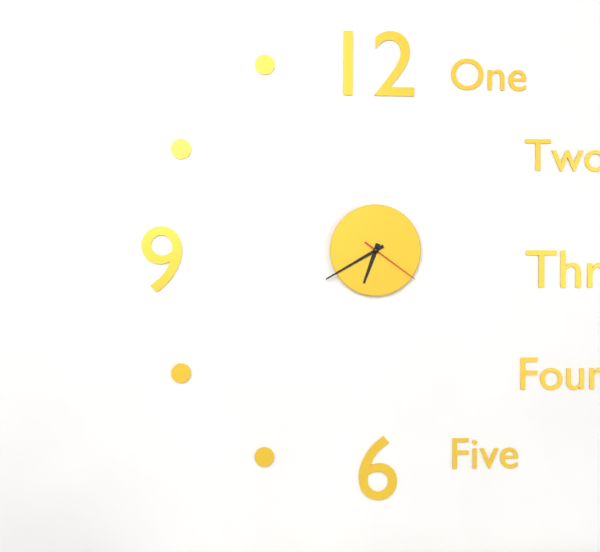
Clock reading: 6.40.21
